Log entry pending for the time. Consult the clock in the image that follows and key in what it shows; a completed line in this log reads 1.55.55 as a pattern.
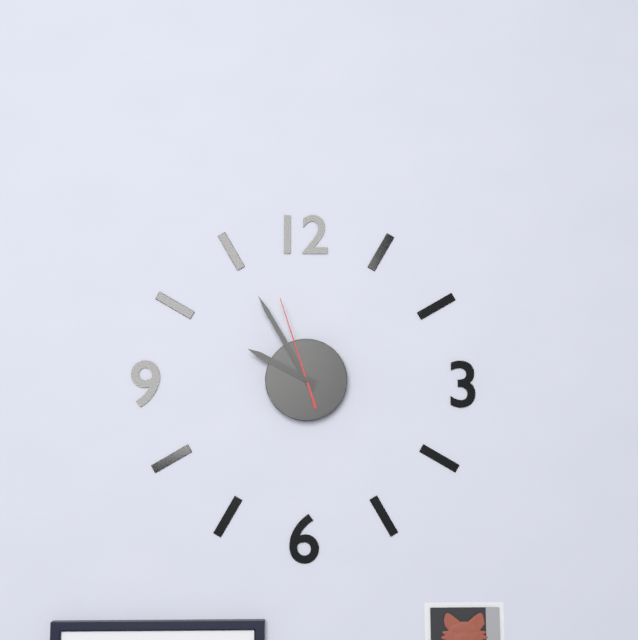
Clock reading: 9.55.57
